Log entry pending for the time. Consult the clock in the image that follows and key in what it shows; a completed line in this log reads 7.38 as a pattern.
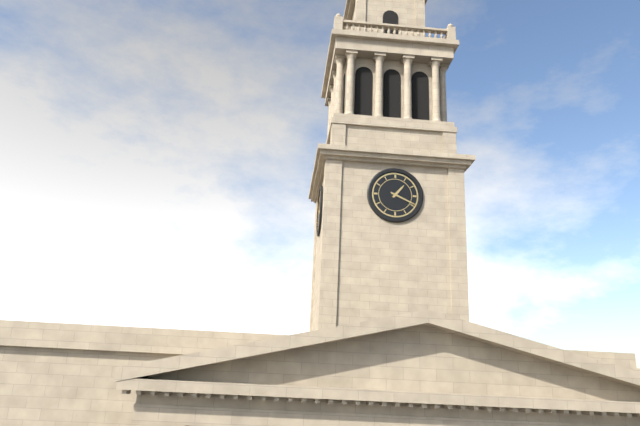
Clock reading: 1.19
